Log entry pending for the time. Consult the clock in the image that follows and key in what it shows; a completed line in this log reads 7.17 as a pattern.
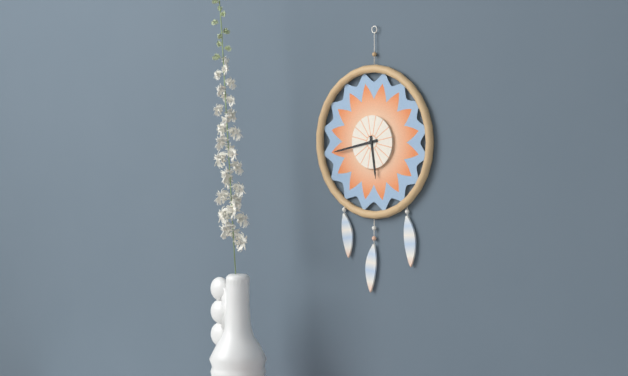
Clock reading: 5.43
